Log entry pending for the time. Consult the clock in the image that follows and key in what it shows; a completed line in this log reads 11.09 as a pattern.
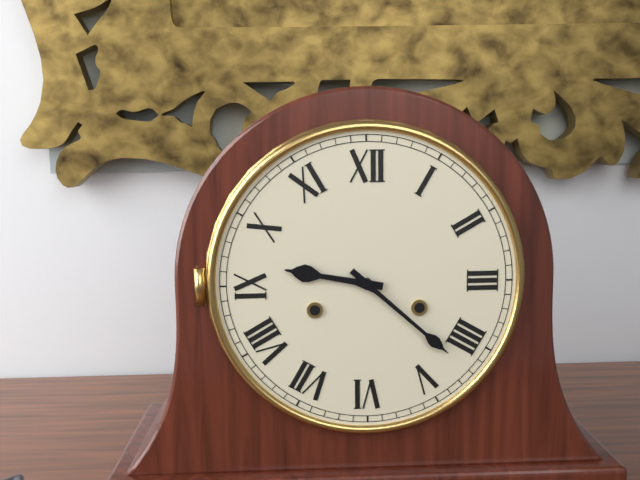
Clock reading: 9.22
